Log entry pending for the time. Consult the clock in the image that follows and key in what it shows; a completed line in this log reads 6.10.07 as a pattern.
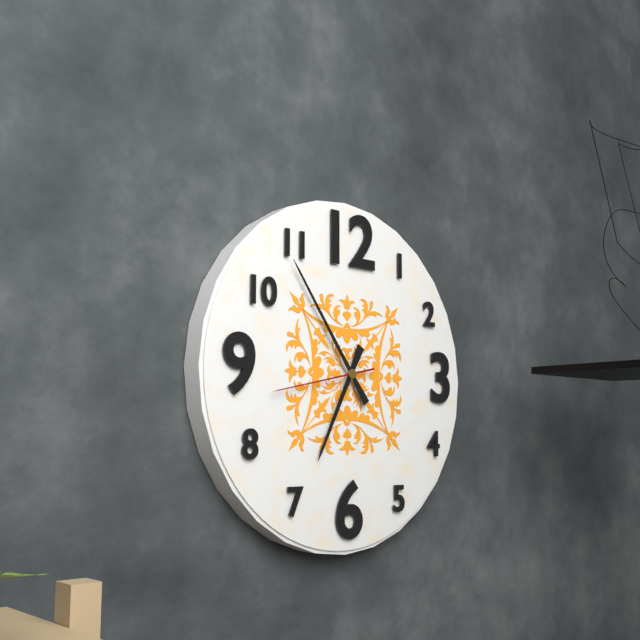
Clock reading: 6.54.43
